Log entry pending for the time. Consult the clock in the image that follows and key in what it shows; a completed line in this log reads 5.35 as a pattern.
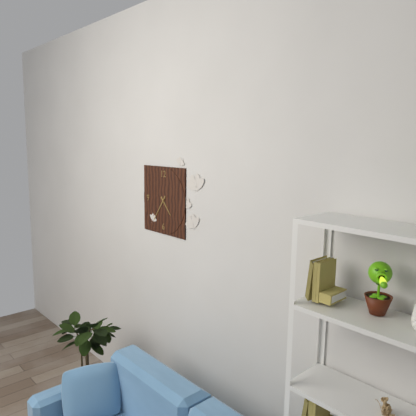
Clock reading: 4.36
